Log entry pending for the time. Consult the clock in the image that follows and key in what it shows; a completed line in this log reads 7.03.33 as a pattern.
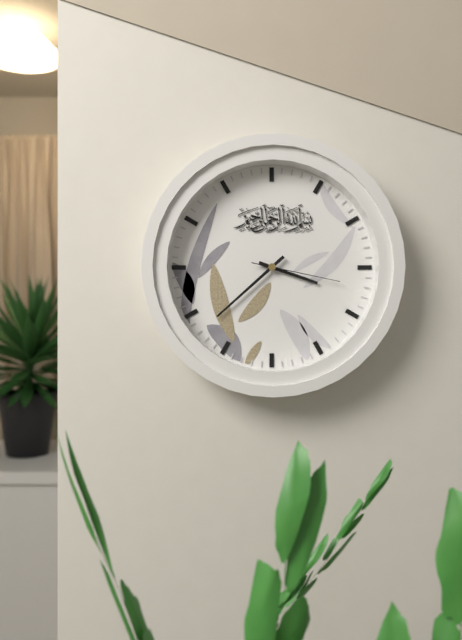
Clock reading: 3.38.17
